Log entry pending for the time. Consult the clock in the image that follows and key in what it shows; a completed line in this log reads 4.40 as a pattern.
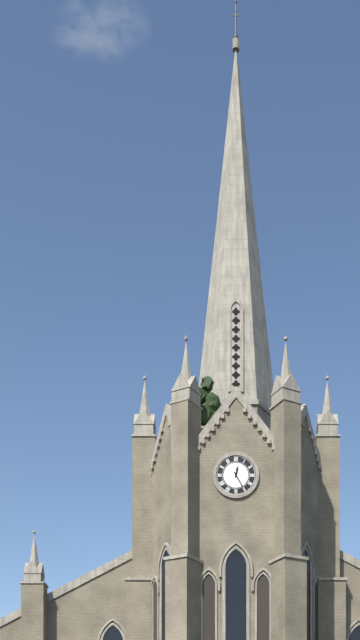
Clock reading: 12.25
